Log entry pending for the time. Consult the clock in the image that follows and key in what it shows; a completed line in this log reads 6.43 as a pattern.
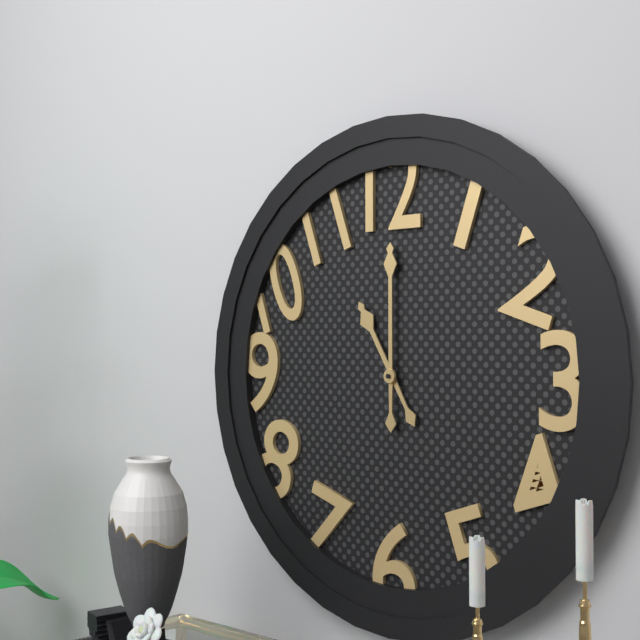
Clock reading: 11.00
